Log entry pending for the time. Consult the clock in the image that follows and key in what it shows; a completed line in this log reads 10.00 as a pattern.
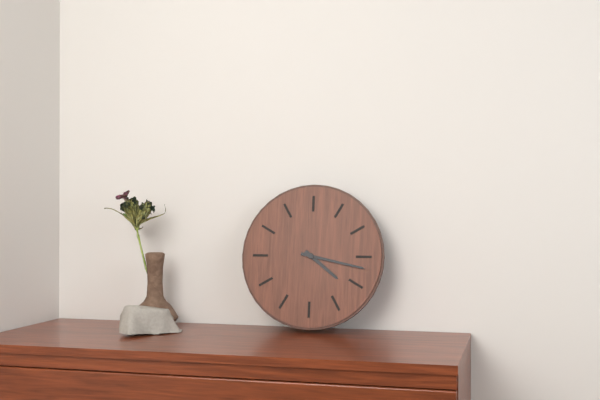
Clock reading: 4.17
